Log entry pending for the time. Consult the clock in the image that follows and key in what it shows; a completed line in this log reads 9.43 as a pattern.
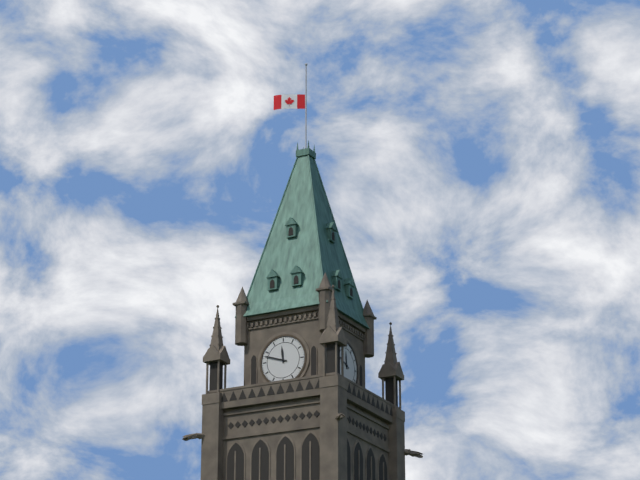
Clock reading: 11.48
